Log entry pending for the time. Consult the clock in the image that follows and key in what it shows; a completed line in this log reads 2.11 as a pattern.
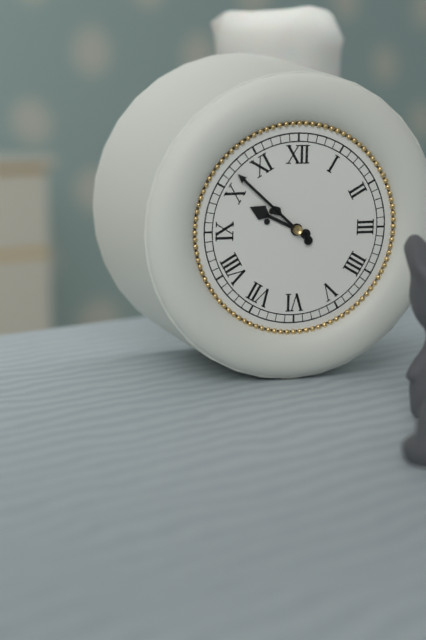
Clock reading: 9.52
